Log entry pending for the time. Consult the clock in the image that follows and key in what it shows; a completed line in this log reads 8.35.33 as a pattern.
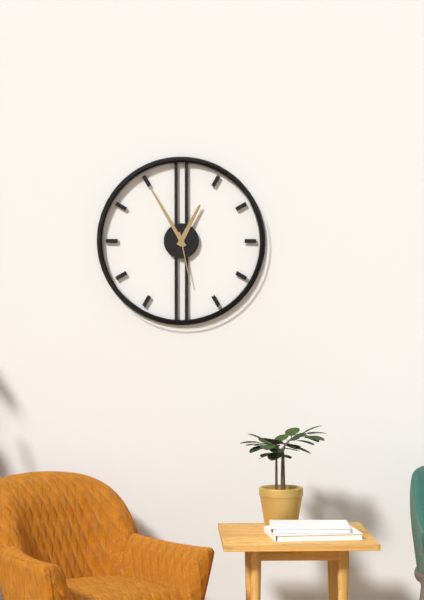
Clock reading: 12.55.28
